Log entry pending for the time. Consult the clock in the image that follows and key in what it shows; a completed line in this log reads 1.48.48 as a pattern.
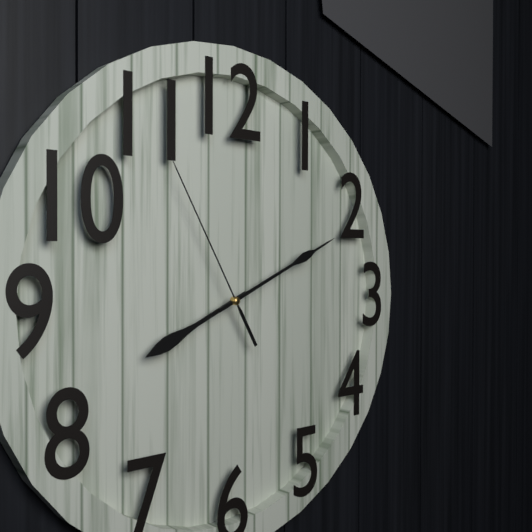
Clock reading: 8.11.55
